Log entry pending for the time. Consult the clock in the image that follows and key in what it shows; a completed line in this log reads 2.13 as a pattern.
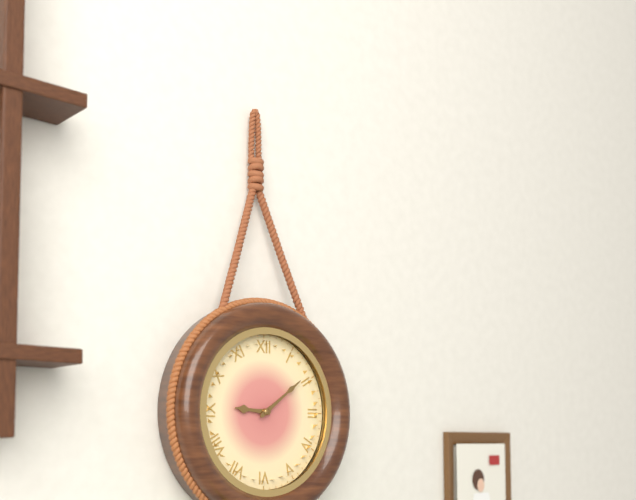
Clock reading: 9.09
